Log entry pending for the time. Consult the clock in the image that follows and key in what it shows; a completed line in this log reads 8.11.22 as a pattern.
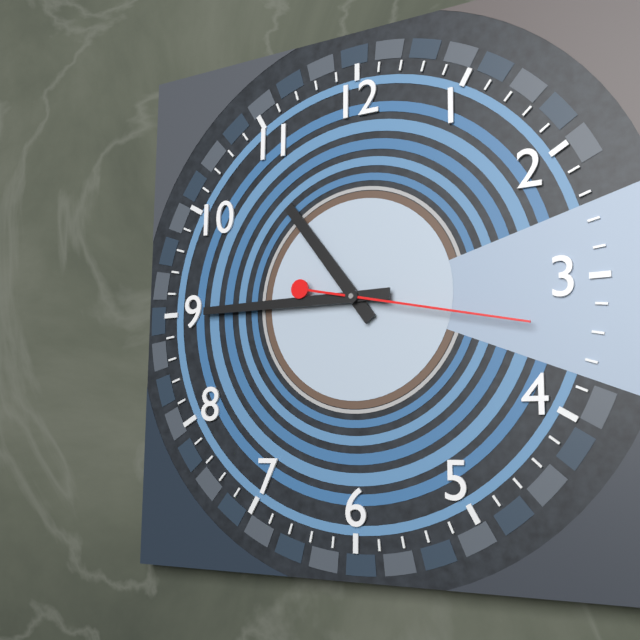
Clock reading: 10.45.17
